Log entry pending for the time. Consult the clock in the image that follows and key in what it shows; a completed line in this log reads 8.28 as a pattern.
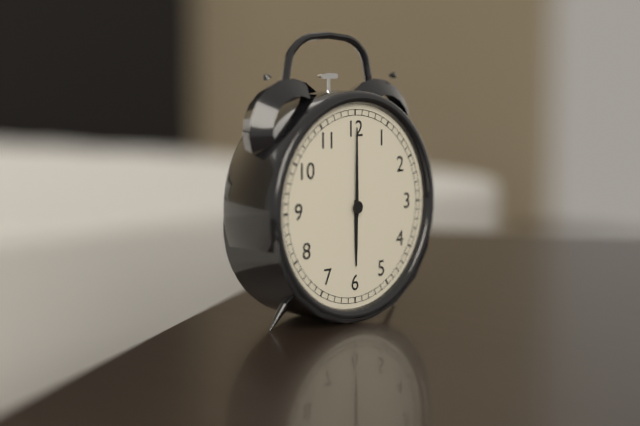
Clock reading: 6.00
